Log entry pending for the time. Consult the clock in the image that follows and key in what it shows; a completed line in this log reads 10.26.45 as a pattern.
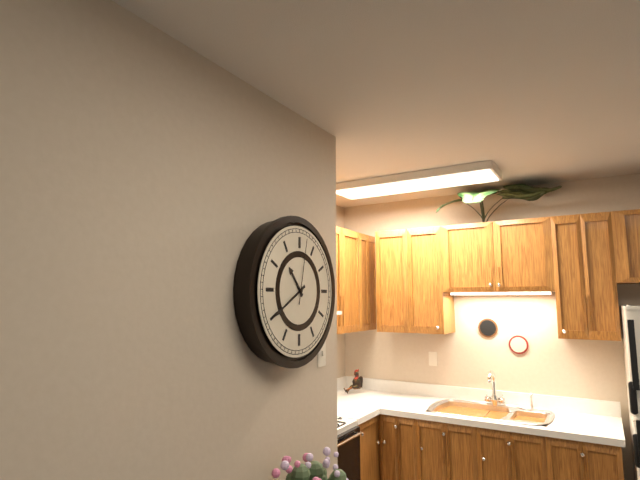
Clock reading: 10.40.02
